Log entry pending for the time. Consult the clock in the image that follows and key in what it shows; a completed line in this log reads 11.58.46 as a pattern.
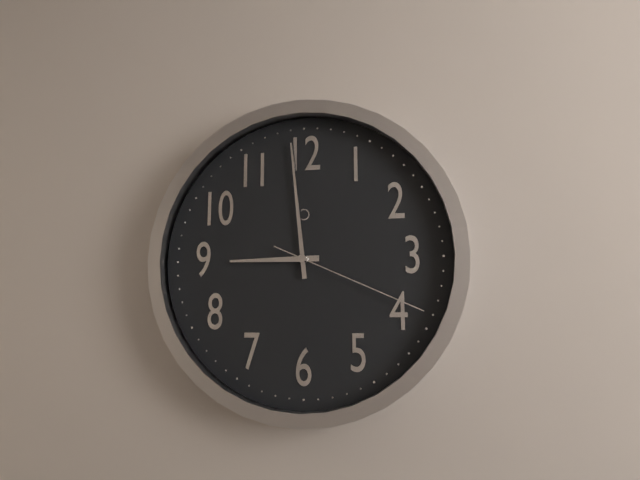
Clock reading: 8.59.19
